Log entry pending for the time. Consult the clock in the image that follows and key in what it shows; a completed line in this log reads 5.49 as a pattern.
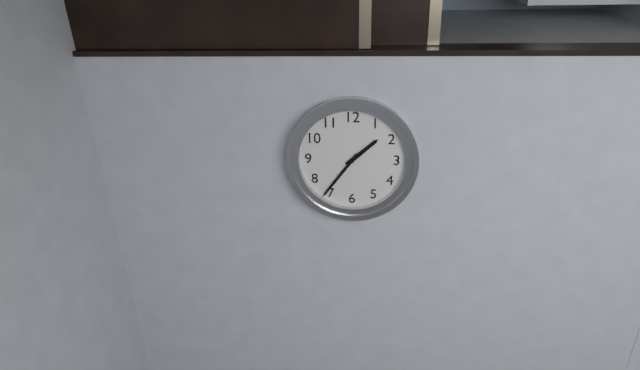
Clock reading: 1.36
